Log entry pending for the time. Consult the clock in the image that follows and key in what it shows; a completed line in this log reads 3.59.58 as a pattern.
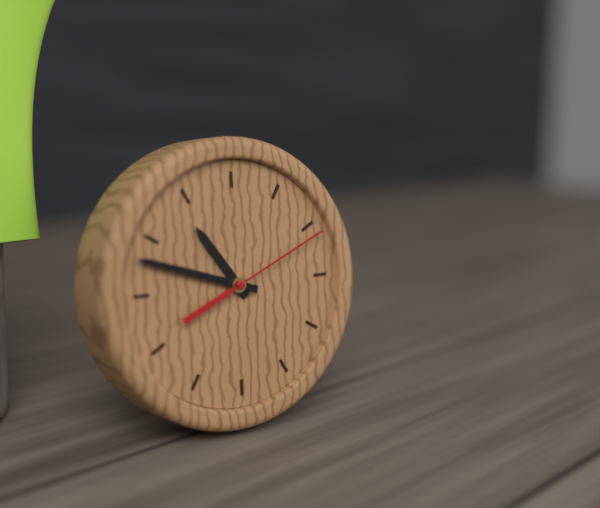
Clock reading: 10.48.11
